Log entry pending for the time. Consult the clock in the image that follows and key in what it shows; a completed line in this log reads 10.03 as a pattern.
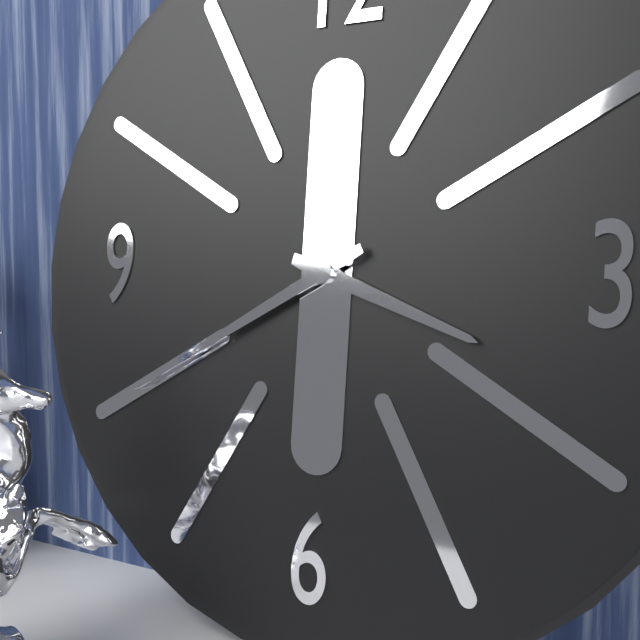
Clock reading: 3.40
